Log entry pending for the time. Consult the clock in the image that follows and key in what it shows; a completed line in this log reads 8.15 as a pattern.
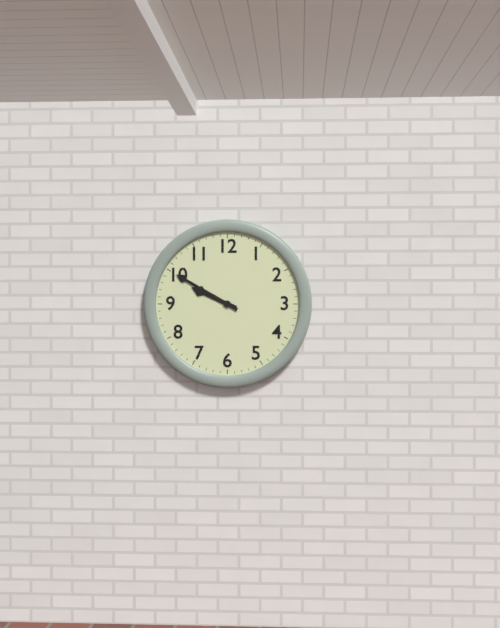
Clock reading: 9.50
